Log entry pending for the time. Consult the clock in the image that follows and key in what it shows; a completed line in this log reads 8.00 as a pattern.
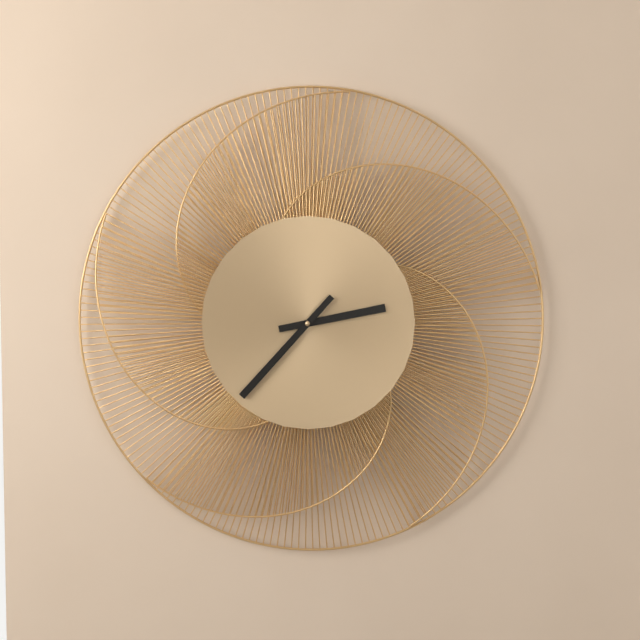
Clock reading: 2.37
